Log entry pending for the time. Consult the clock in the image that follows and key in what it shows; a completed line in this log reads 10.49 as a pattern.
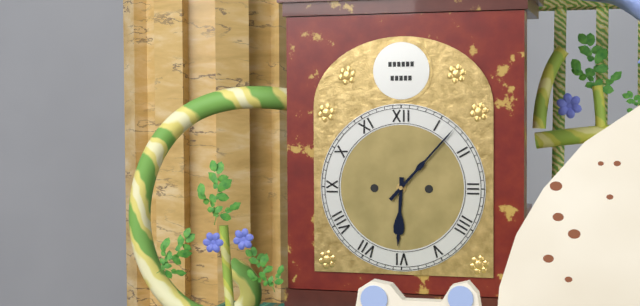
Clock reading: 6.07
